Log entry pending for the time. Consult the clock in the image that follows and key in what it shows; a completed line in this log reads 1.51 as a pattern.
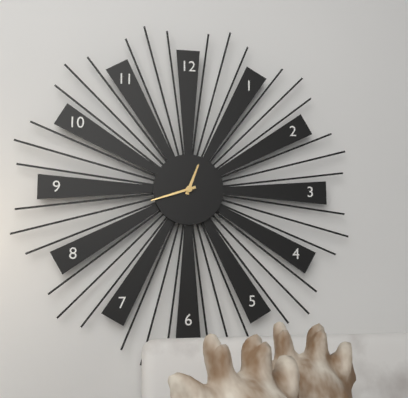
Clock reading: 12.42
